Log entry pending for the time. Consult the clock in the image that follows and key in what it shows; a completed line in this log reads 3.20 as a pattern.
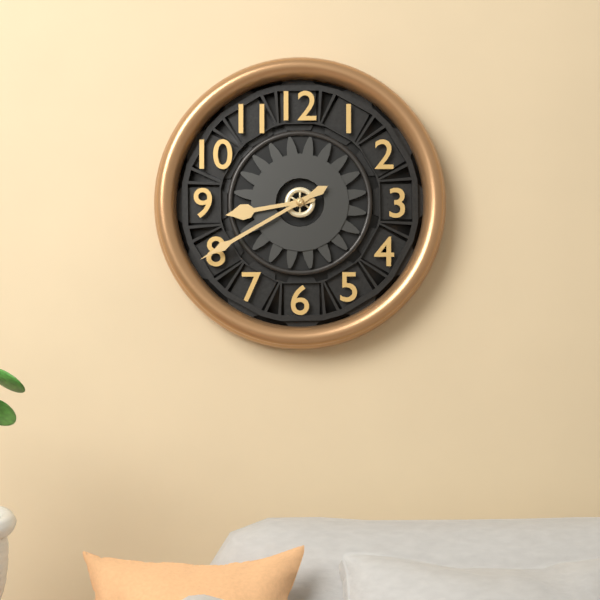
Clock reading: 8.40
